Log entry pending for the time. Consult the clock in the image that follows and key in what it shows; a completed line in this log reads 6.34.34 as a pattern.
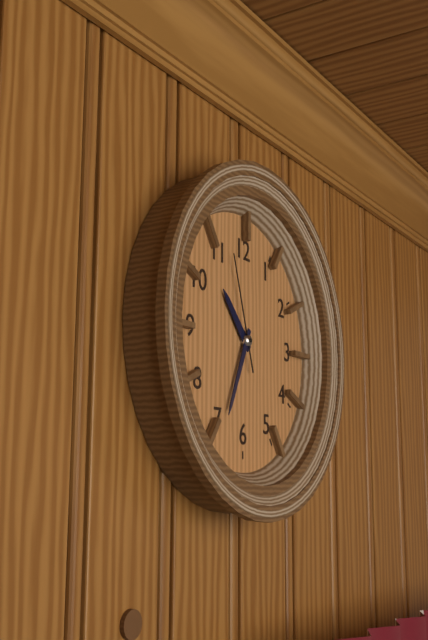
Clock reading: 10.34.57
